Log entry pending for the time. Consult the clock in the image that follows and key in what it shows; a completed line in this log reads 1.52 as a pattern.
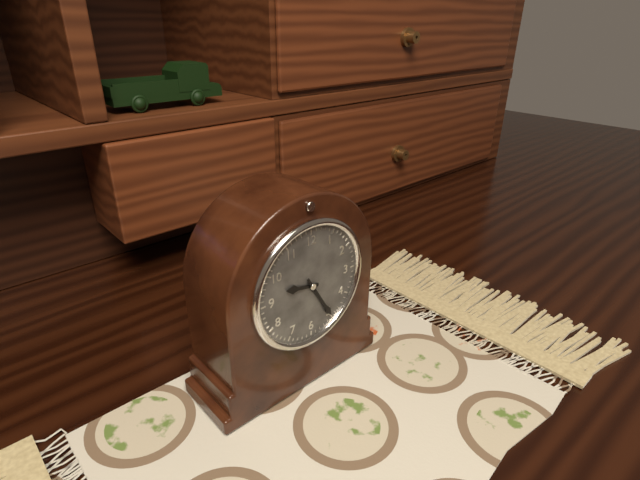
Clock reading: 9.25
